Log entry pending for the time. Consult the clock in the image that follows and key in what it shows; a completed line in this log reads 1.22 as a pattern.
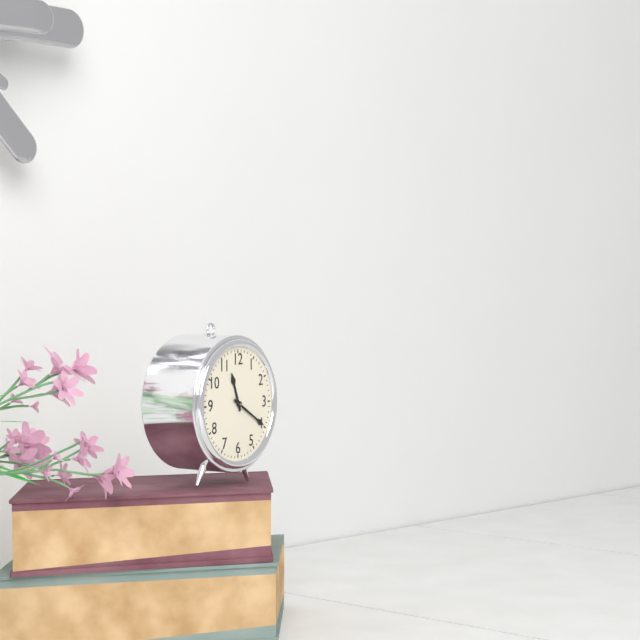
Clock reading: 11.20
